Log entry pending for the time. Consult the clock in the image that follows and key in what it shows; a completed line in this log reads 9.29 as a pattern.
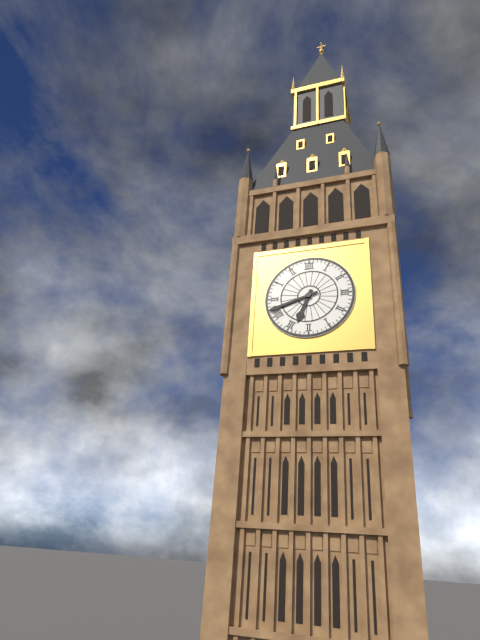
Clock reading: 6.42
